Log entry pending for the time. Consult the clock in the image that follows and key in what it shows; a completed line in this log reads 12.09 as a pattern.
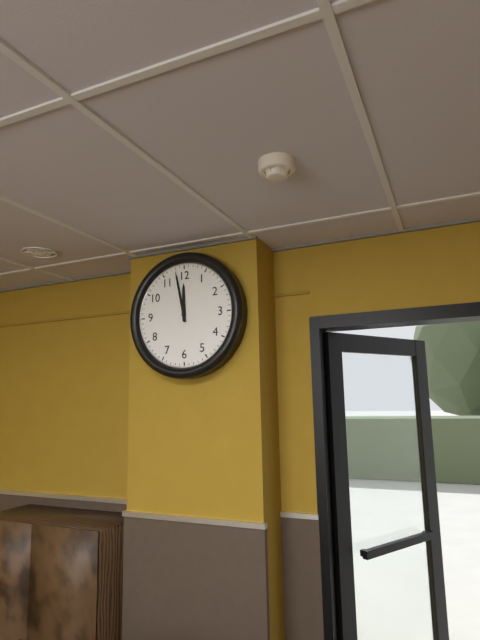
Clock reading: 11.58
